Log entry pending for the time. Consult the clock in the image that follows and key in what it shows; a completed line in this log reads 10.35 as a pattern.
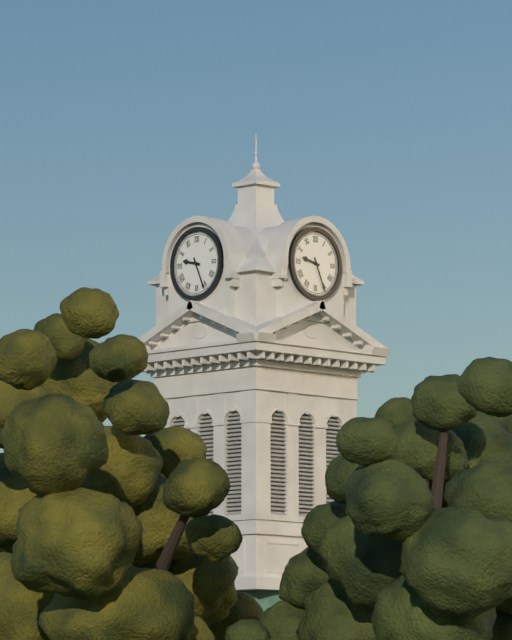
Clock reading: 9.26
